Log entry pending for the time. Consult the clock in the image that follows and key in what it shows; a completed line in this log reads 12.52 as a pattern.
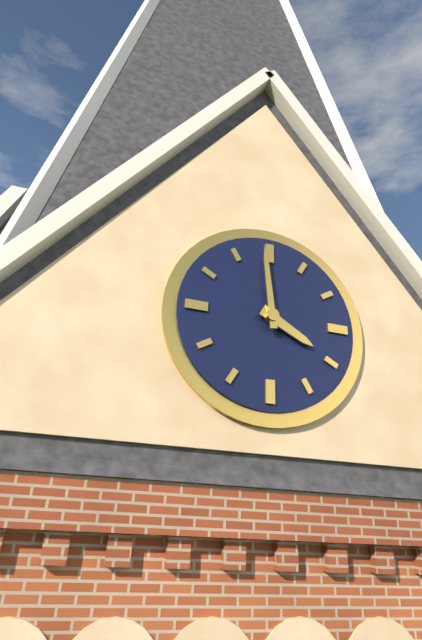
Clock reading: 3.59
